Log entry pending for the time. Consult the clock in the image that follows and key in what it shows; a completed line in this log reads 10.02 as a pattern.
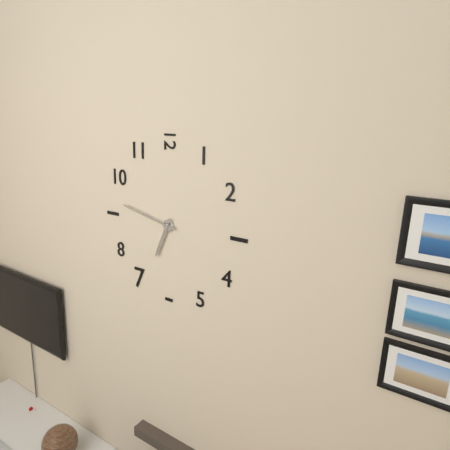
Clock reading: 6.47
